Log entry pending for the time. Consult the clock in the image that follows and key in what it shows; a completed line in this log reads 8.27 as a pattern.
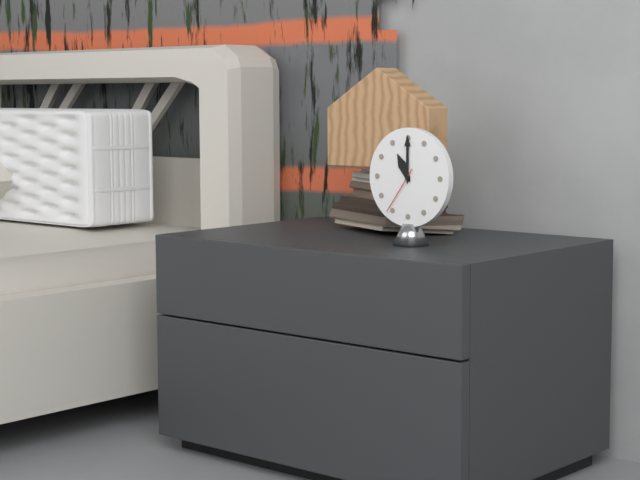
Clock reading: 11.00
